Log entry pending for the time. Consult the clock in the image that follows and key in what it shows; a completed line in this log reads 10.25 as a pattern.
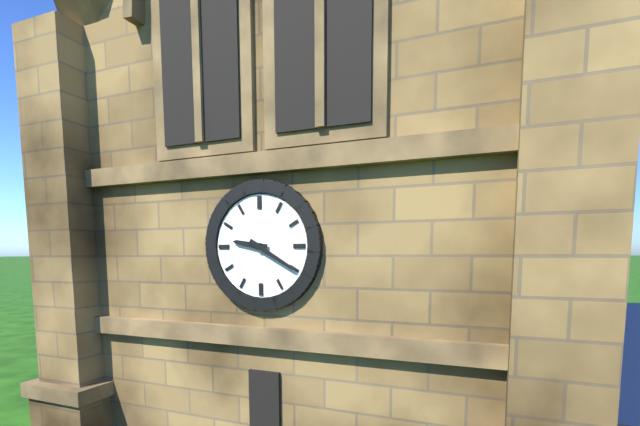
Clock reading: 9.20
